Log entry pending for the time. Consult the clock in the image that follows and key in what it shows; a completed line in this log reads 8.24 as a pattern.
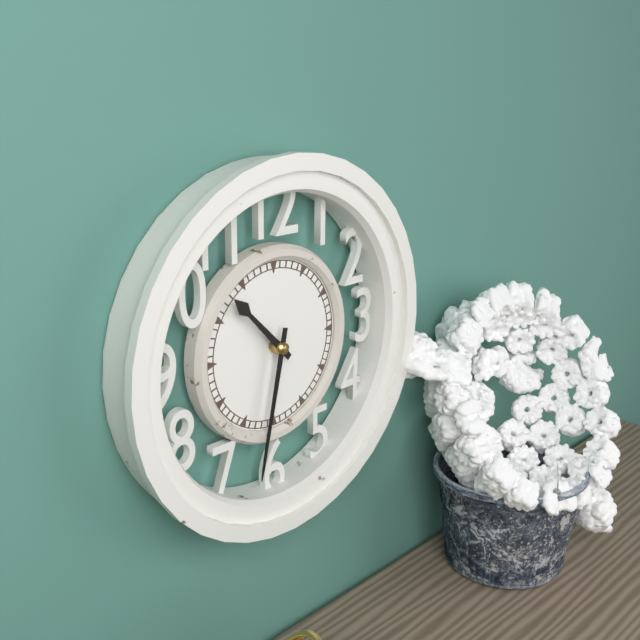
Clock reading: 10.32
